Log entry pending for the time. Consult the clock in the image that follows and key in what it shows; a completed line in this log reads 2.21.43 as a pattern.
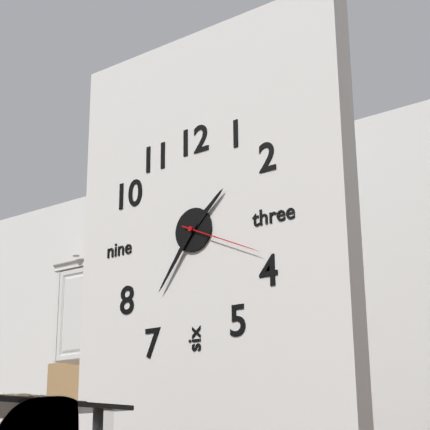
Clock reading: 1.36.19
